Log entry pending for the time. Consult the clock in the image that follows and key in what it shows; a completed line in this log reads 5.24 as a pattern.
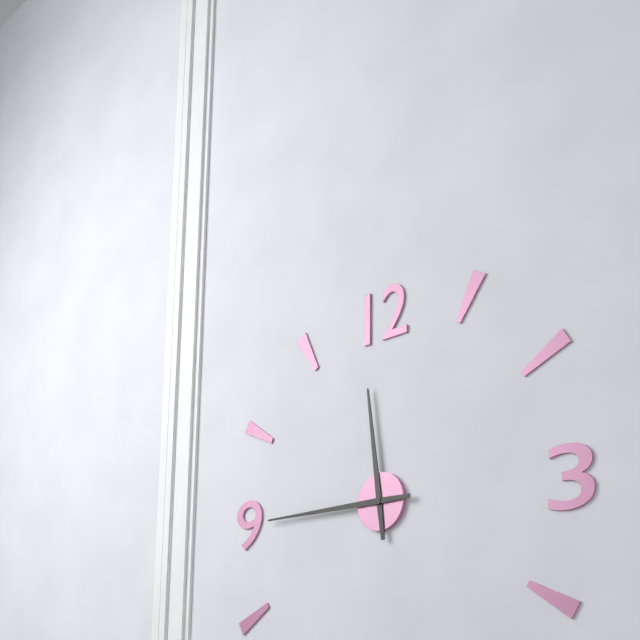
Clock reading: 11.45
